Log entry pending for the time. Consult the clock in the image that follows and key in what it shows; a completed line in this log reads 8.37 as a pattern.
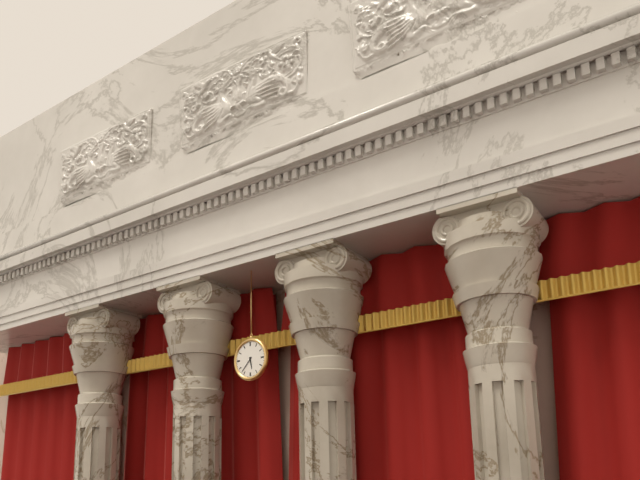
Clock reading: 5.37
